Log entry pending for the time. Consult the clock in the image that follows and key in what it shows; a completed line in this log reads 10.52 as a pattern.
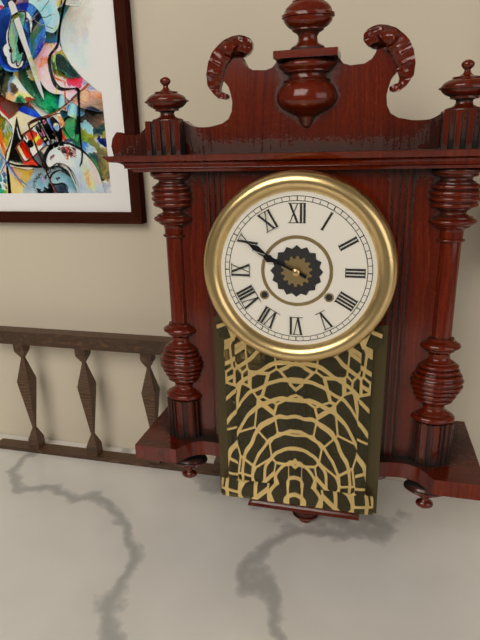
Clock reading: 9.50
